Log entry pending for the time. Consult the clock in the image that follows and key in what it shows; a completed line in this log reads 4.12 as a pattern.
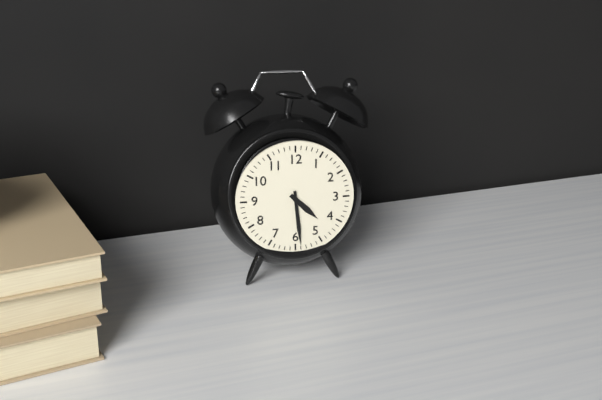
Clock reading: 4.29
